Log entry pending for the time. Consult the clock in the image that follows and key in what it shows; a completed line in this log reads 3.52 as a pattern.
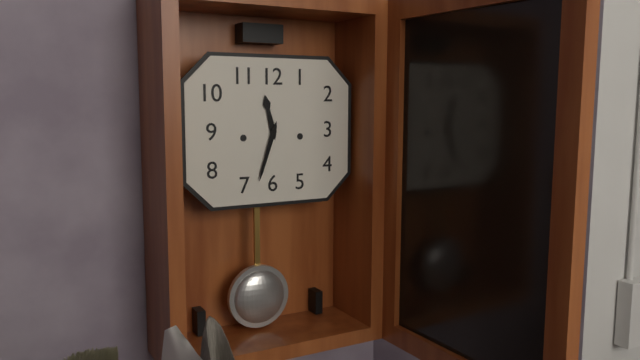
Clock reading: 11.33
